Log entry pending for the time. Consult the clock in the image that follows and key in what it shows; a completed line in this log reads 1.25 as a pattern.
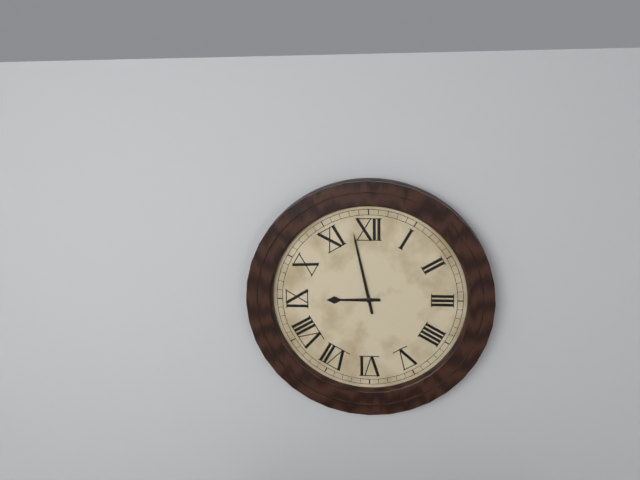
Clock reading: 8.58
